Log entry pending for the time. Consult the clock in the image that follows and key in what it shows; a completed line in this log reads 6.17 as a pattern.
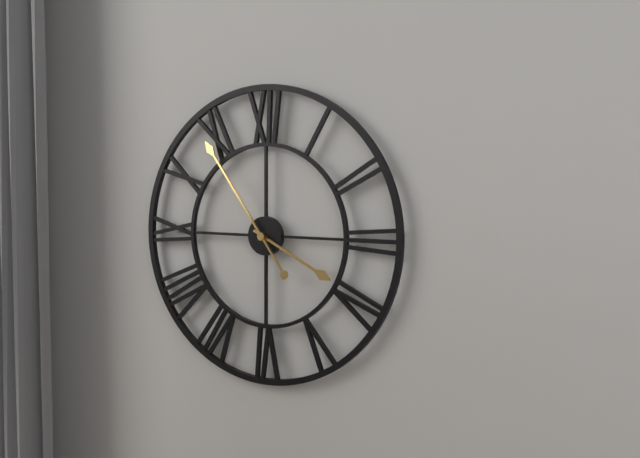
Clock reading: 3.54
